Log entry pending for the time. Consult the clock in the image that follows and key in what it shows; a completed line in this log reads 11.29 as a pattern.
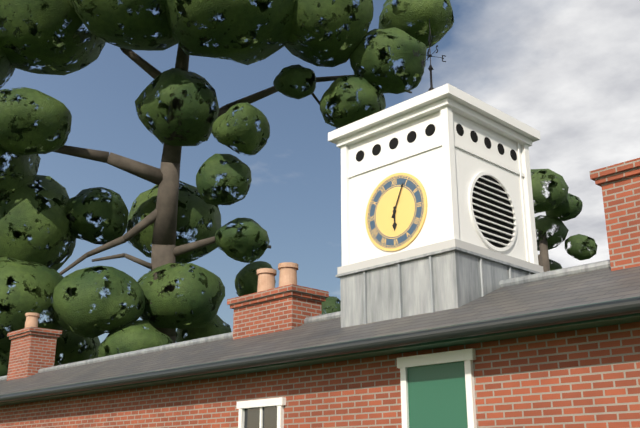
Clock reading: 6.04
